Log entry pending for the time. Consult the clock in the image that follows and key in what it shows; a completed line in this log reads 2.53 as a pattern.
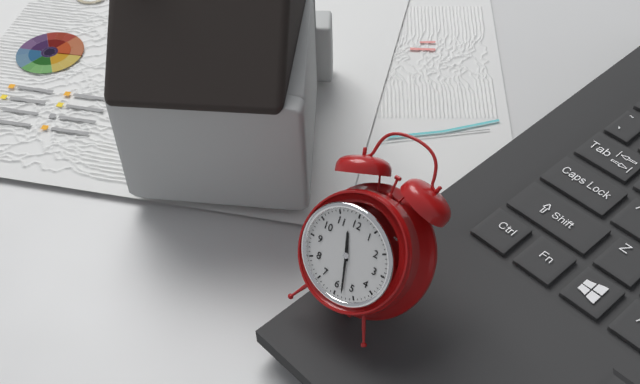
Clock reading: 11.28
